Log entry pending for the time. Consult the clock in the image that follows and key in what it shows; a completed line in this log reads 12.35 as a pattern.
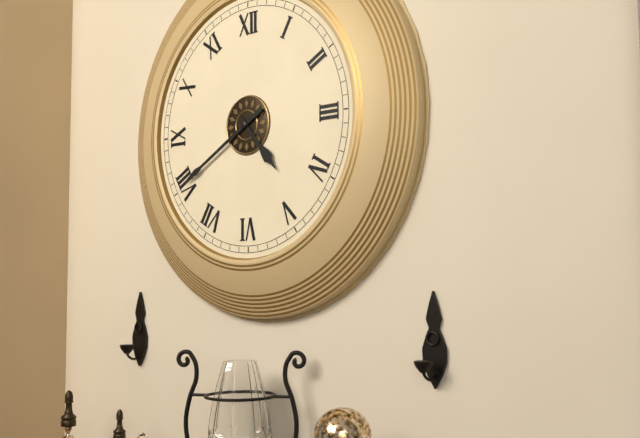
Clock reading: 4.40
